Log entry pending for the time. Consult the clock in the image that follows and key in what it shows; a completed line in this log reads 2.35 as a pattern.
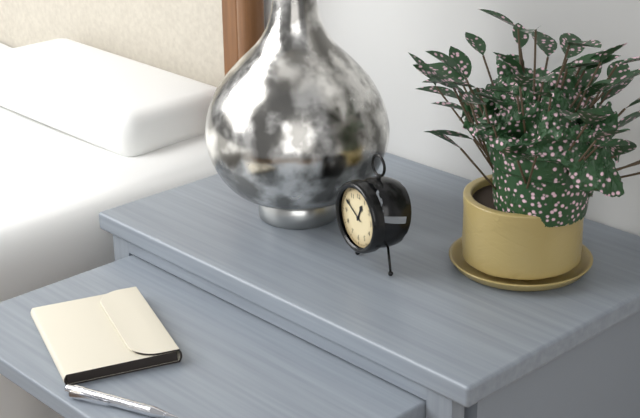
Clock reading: 12.50
